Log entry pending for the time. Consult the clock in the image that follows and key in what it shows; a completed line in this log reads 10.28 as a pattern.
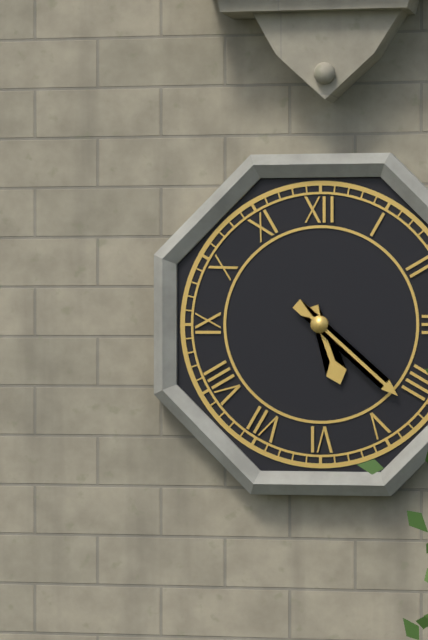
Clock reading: 5.22
